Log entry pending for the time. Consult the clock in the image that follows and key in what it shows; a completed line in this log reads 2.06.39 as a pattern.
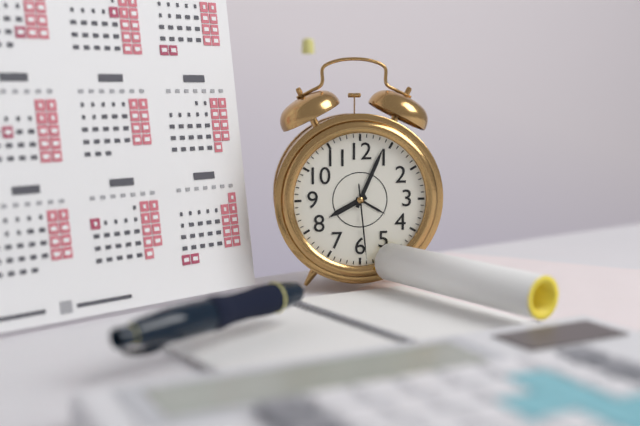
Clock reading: 8.04.29
